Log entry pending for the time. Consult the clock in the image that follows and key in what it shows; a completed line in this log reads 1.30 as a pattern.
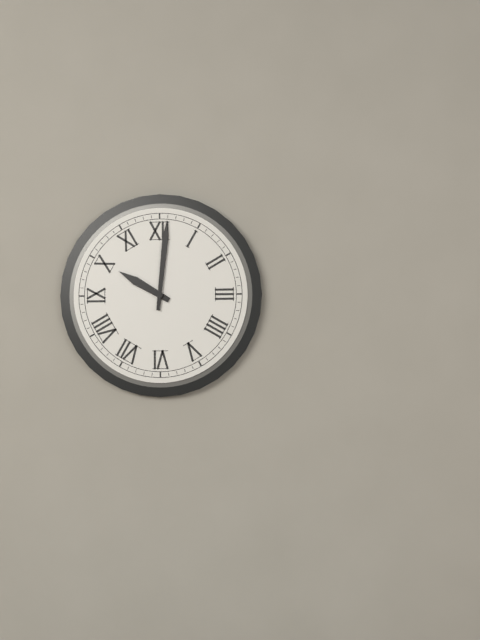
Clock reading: 10.01
